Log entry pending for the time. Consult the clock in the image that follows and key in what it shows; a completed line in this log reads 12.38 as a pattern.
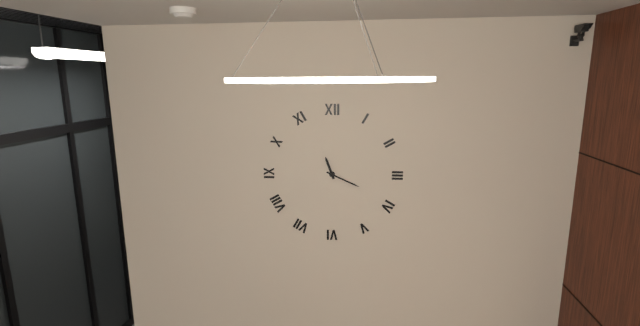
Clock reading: 11.19
